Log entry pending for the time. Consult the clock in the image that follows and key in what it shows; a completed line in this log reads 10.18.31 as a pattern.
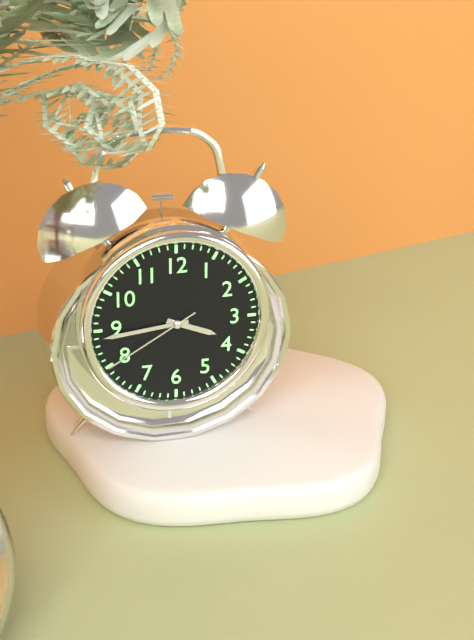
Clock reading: 3.44.40
